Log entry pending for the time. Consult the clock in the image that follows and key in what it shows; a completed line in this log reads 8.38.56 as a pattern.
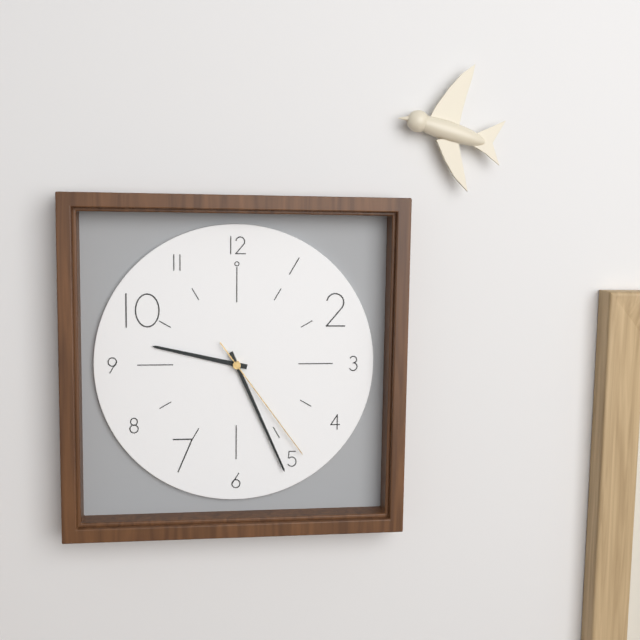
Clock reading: 9.26.24
